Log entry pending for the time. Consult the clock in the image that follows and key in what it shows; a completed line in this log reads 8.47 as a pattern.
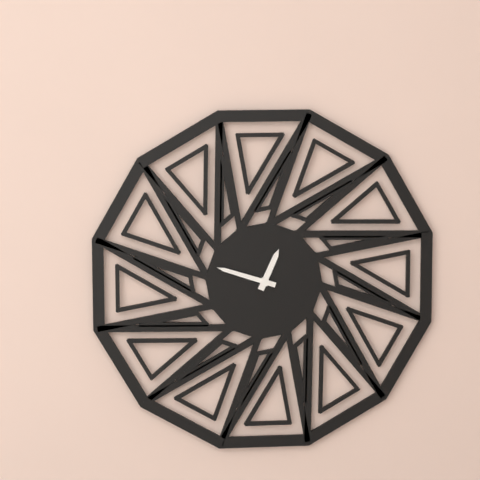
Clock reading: 12.48
